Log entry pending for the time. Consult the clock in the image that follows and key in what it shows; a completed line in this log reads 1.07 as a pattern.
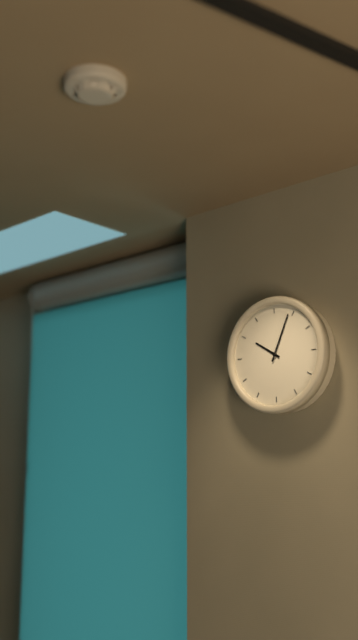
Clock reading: 10.04
